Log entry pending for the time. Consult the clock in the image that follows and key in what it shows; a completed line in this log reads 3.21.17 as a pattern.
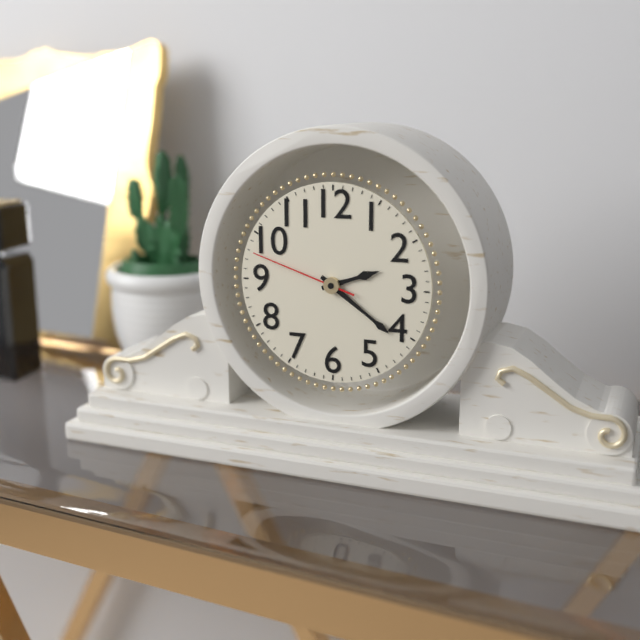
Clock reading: 2.21.48
